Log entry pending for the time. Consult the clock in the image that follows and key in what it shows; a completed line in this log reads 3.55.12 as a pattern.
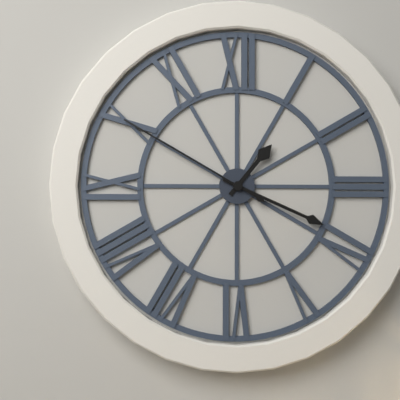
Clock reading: 1.19.50
